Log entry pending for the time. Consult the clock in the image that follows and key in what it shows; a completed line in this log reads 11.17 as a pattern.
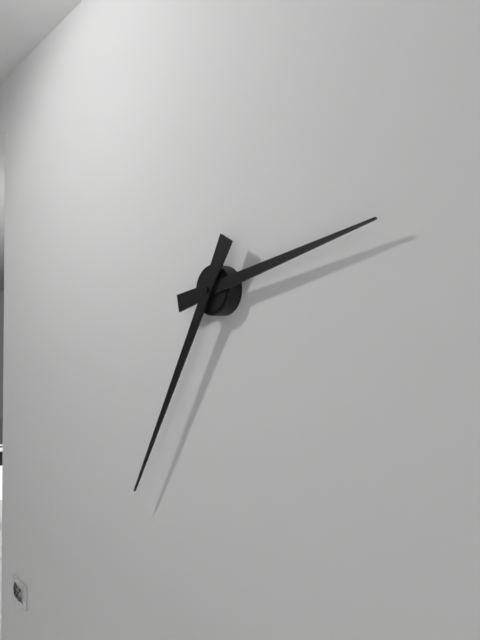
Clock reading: 2.35
